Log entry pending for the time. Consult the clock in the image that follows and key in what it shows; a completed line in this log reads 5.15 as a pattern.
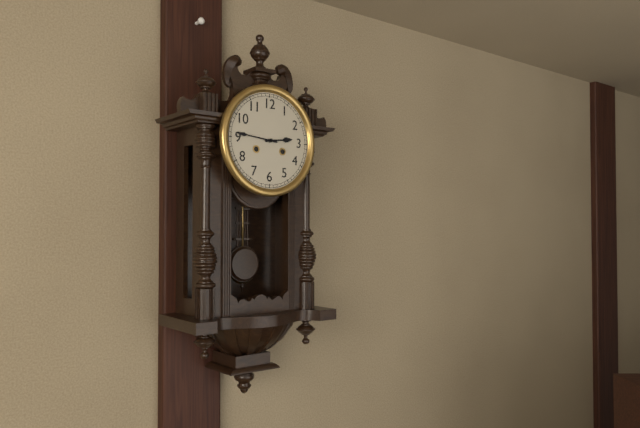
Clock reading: 2.46
